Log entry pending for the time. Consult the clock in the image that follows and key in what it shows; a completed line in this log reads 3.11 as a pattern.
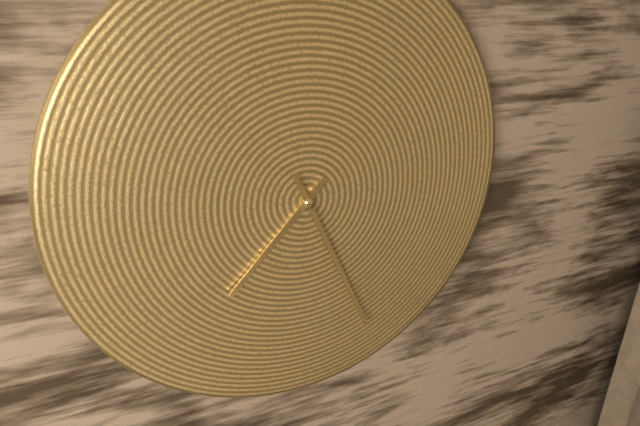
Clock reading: 7.26
